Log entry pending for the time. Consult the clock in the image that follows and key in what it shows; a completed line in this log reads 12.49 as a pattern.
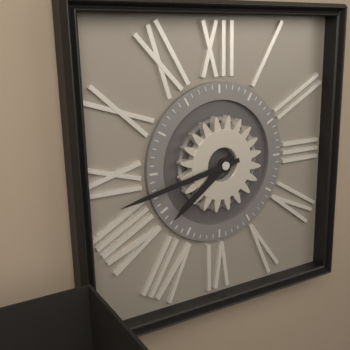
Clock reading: 7.43
